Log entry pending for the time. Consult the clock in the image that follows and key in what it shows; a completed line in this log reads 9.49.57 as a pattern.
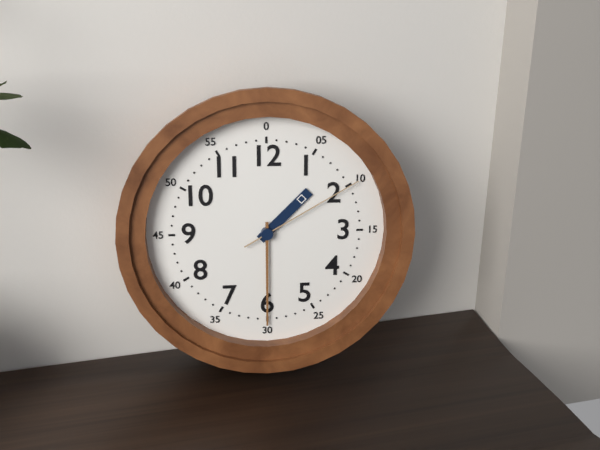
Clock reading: 1.30.10
